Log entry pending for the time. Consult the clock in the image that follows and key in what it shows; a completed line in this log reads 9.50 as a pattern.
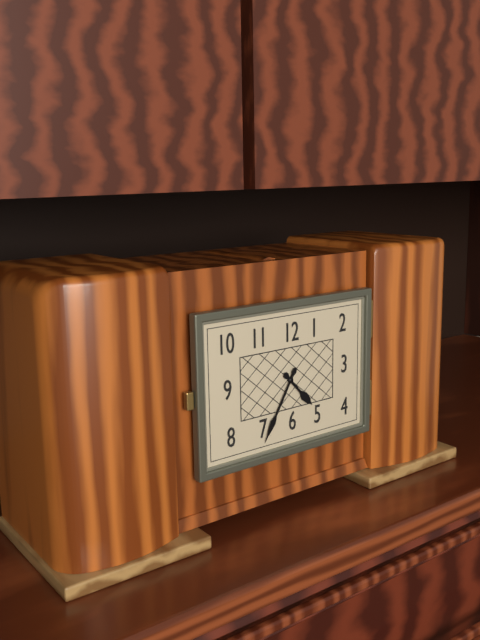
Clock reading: 4.35
